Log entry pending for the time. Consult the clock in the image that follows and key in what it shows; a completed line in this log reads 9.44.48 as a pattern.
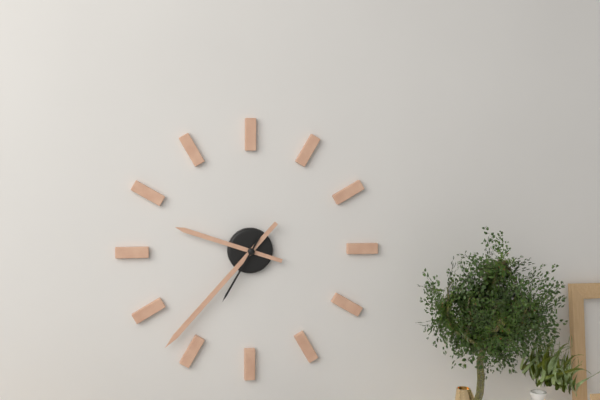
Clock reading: 9.37.35
